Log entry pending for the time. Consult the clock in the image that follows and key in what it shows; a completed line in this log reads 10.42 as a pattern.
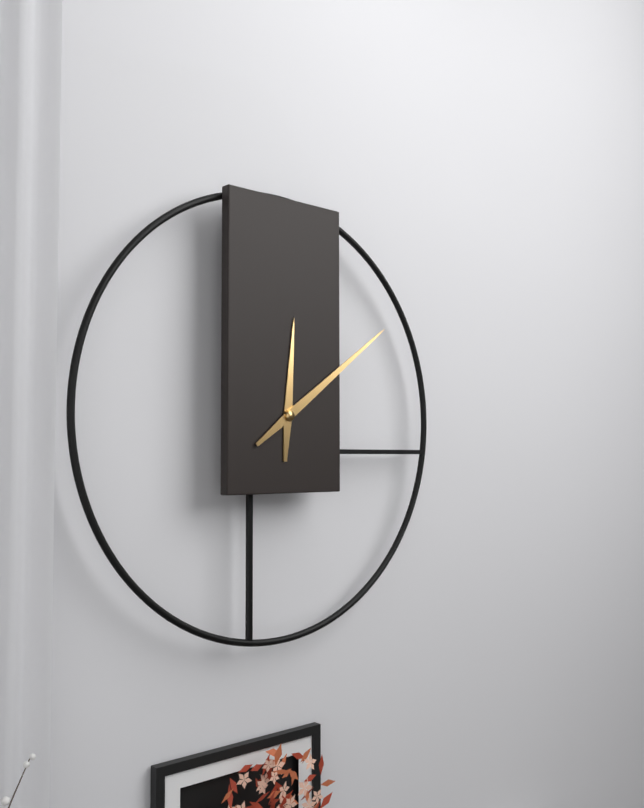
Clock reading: 12.09
